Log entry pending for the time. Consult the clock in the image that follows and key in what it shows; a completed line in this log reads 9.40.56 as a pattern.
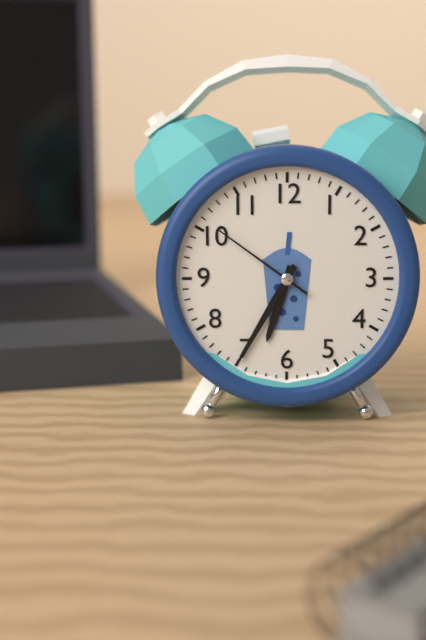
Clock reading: 6.35.51
